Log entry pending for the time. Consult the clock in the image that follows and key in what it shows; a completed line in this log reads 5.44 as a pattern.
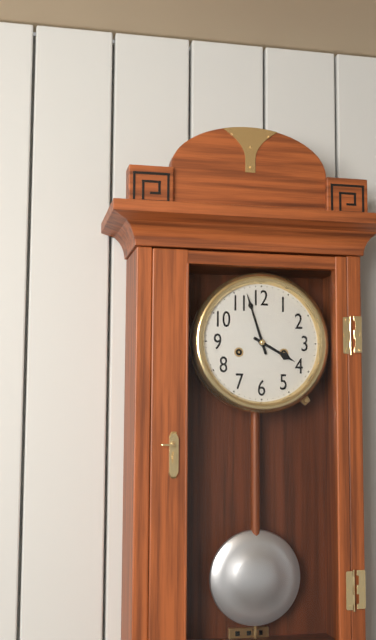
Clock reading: 3.57
